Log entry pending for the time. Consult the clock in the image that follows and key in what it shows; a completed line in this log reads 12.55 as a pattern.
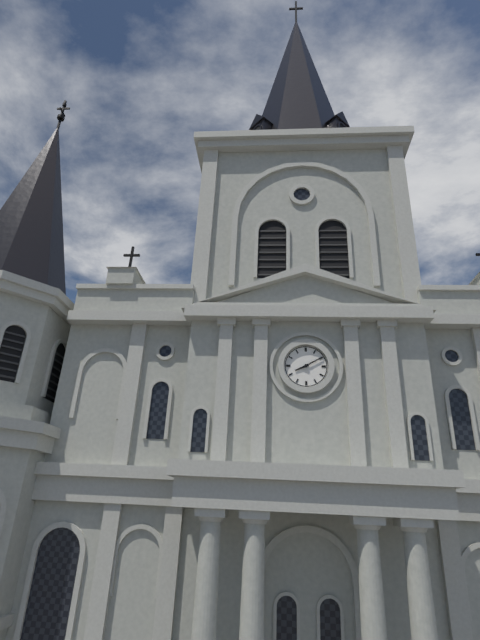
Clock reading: 8.10
